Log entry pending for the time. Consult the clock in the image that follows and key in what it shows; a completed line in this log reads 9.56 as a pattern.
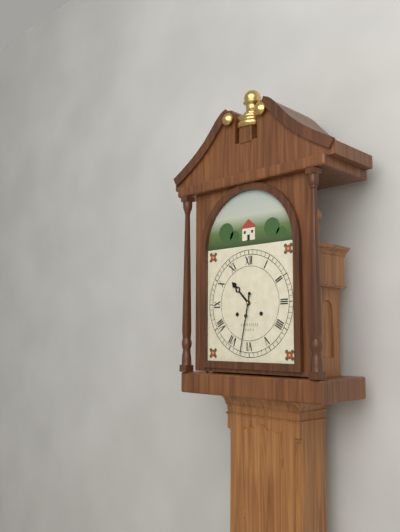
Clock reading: 10.32
